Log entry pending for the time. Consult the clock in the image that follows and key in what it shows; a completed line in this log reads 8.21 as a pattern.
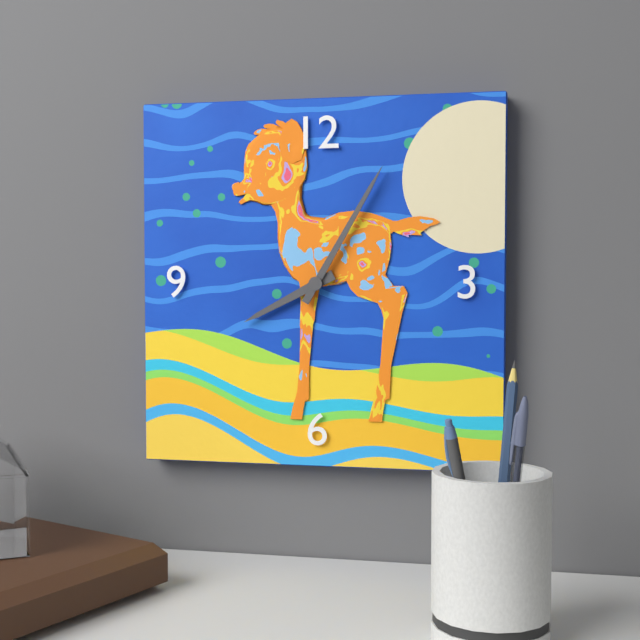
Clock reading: 8.05
